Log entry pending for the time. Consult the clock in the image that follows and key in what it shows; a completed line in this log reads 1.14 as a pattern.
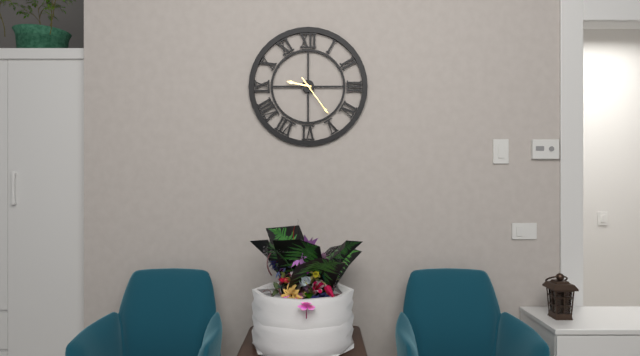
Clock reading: 9.24
